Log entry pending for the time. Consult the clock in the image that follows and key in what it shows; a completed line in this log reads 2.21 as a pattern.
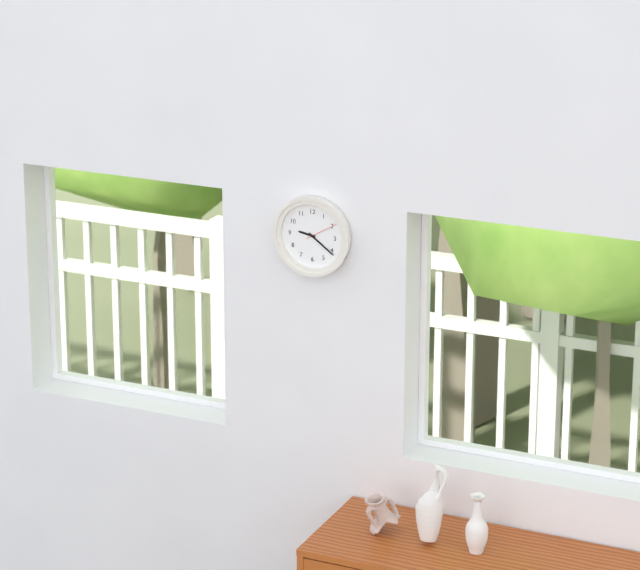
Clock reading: 9.21
